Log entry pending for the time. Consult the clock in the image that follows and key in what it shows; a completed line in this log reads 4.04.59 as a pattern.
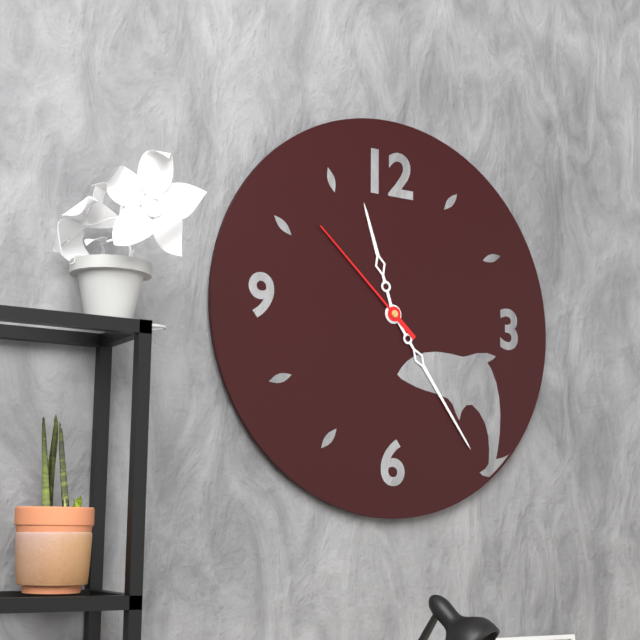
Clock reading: 11.24.52
